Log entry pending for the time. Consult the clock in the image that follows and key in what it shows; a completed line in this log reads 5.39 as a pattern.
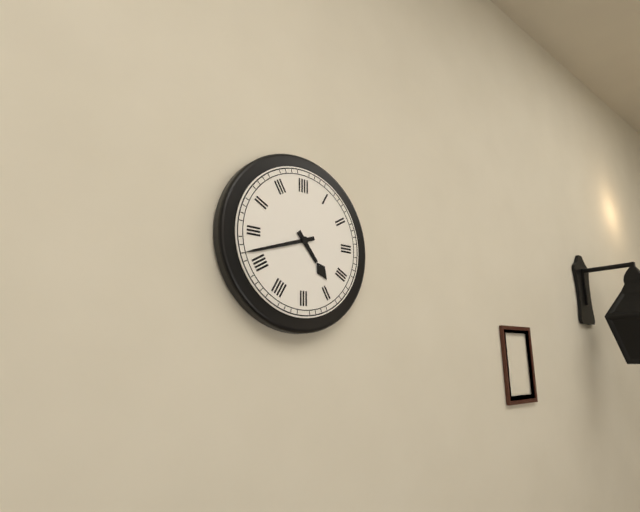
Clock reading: 4.42
